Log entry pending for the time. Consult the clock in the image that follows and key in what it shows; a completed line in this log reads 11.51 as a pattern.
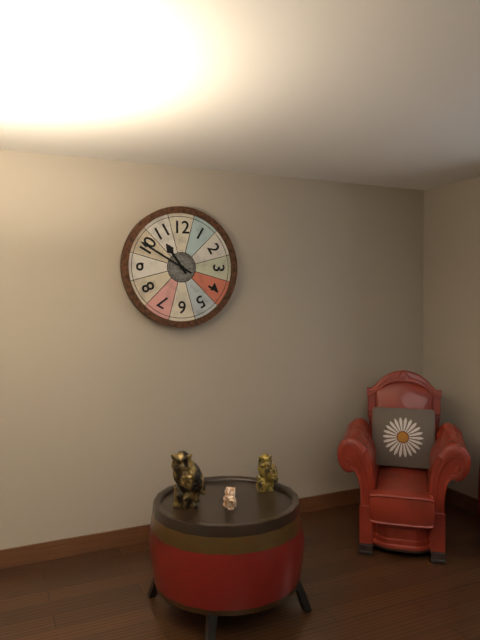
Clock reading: 10.50
